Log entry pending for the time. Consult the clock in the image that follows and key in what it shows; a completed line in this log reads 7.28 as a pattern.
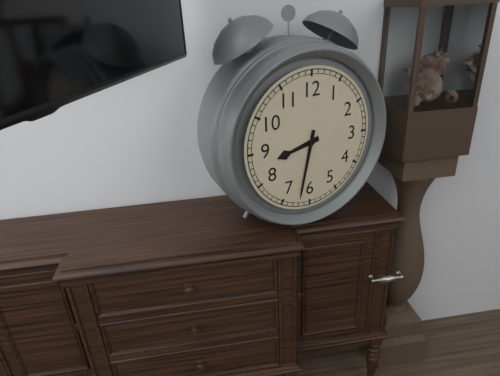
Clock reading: 8.32
